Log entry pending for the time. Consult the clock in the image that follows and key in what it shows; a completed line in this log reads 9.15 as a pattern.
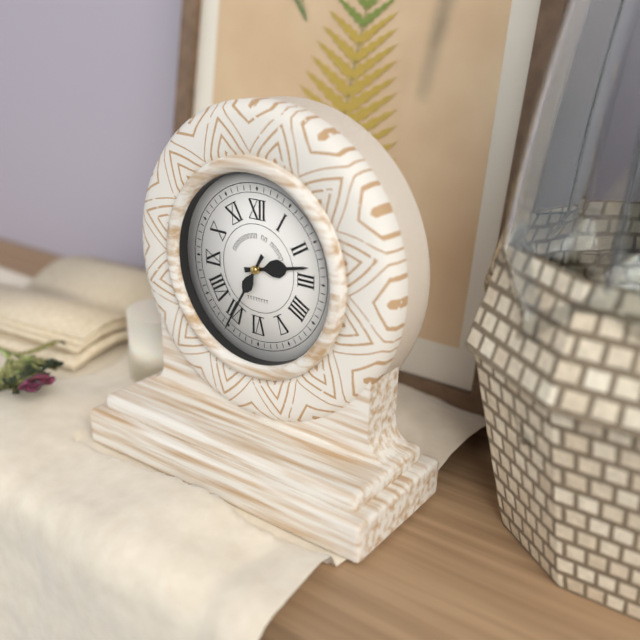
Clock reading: 2.35
